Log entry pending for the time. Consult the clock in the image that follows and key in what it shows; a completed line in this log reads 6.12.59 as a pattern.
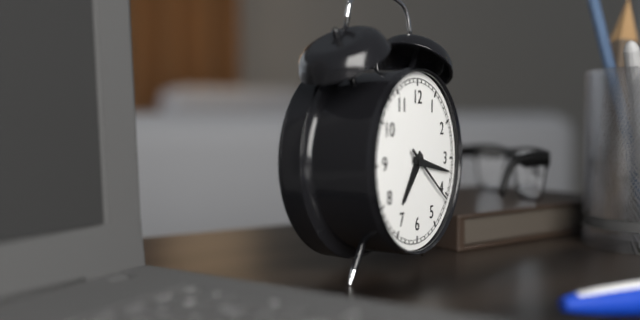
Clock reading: 7.17.21
